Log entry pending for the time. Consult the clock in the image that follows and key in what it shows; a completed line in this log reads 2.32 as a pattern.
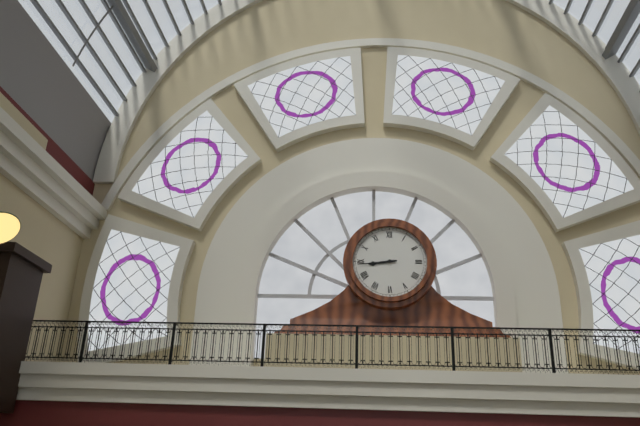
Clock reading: 8.44
